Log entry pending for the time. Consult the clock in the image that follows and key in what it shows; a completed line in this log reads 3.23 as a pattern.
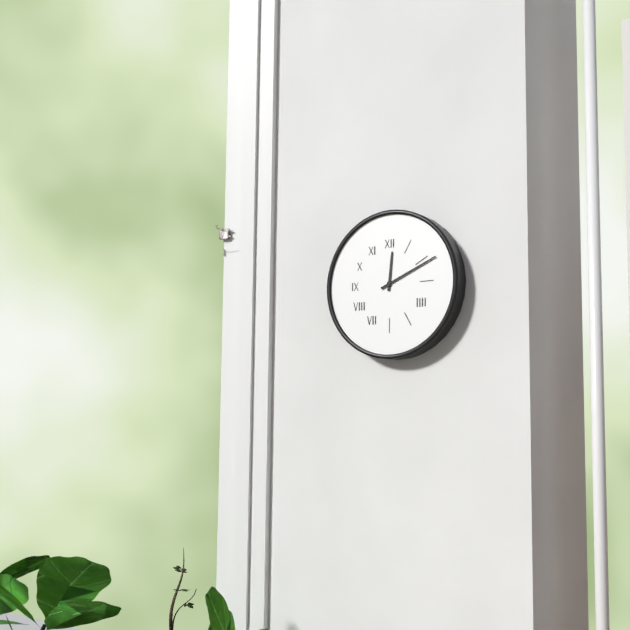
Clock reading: 12.11
